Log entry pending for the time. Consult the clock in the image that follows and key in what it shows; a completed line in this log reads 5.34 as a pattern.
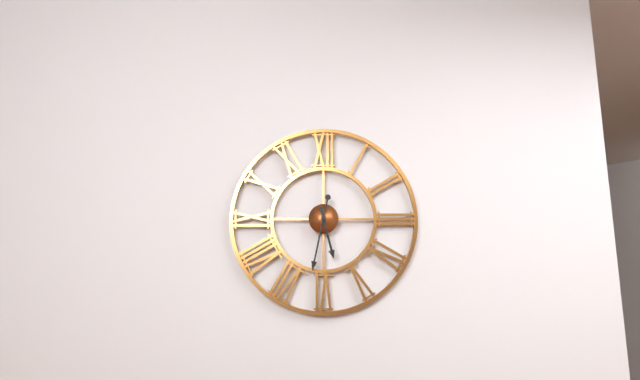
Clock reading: 5.32
